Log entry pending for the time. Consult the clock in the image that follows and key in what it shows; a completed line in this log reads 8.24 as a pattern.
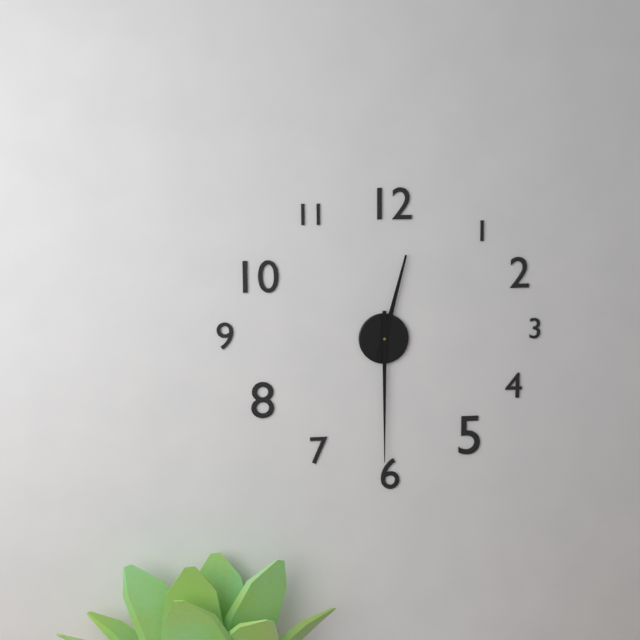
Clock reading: 12.30
